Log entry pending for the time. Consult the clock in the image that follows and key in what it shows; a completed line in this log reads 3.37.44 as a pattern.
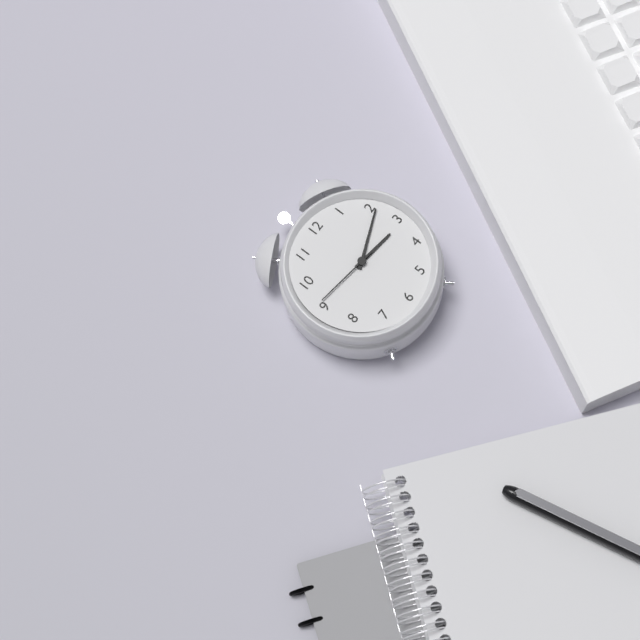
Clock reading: 3.11.46
